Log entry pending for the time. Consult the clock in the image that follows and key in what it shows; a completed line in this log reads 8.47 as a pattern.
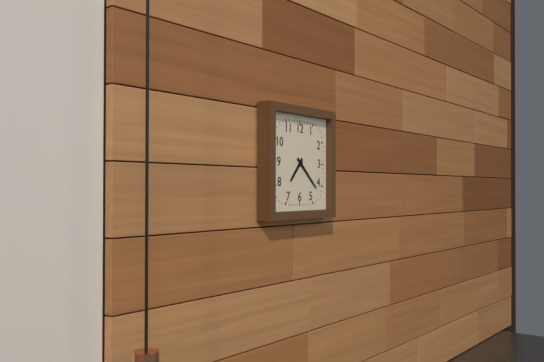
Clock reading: 7.22
